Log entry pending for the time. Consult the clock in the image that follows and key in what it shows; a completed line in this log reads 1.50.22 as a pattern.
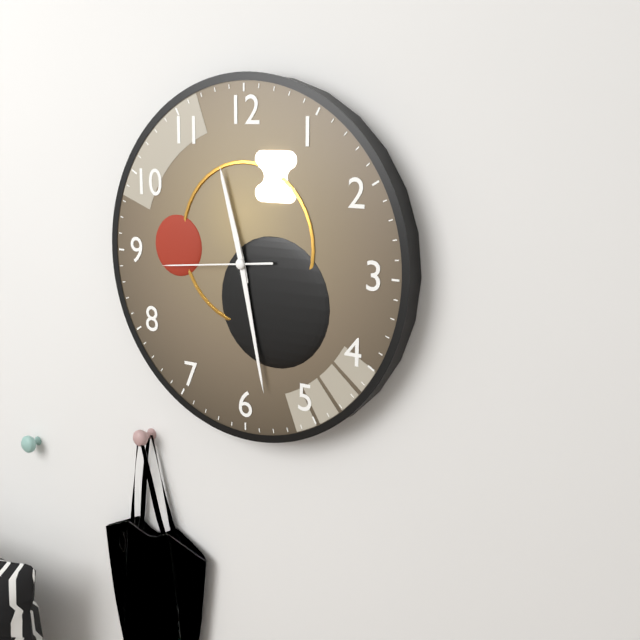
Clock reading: 11.28.44
